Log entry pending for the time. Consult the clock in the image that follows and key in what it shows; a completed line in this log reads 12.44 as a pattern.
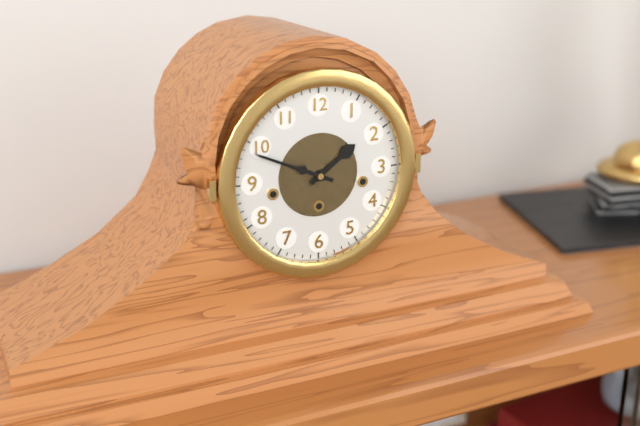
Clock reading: 1.49
